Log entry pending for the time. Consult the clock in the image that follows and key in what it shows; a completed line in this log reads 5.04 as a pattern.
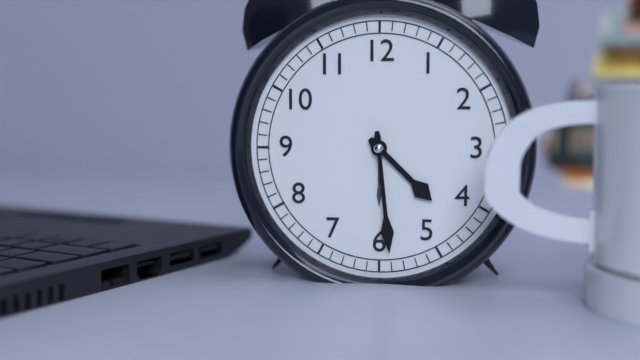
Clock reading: 4.29
